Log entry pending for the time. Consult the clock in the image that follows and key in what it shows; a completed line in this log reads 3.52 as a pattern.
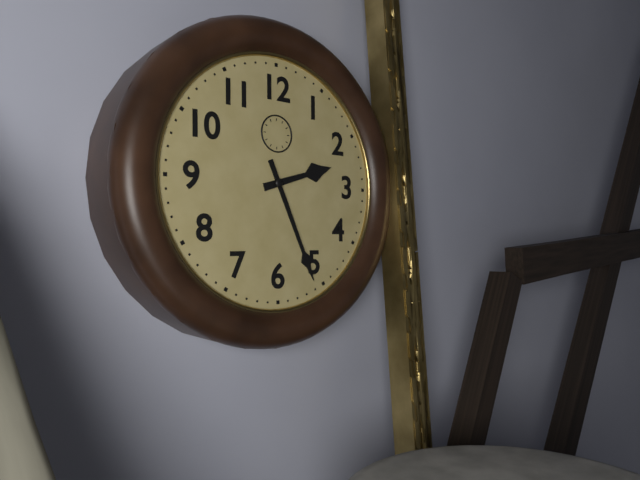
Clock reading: 2.26
